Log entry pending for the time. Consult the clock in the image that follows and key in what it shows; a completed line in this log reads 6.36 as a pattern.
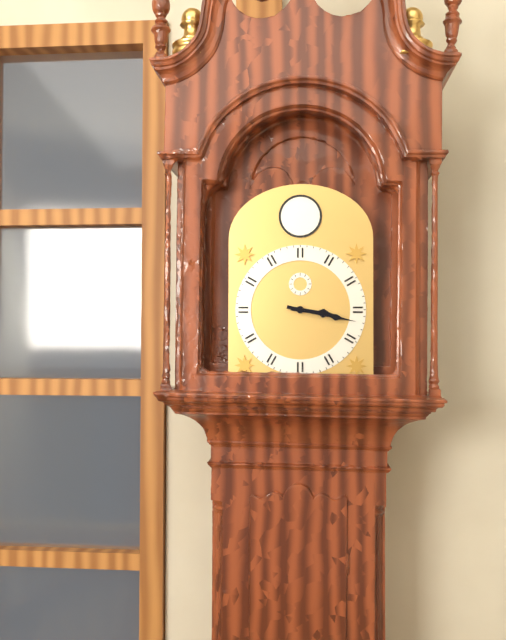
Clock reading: 3.17
